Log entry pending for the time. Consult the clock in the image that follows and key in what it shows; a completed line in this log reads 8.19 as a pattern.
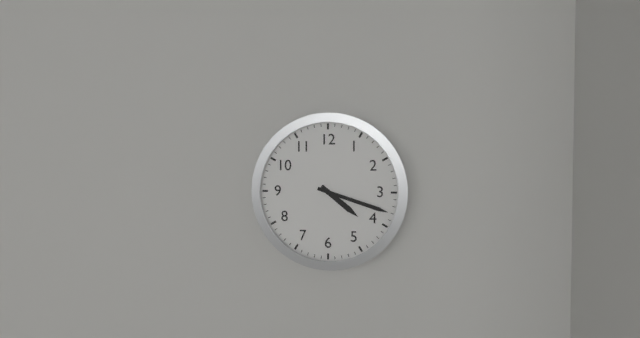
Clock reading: 4.18
